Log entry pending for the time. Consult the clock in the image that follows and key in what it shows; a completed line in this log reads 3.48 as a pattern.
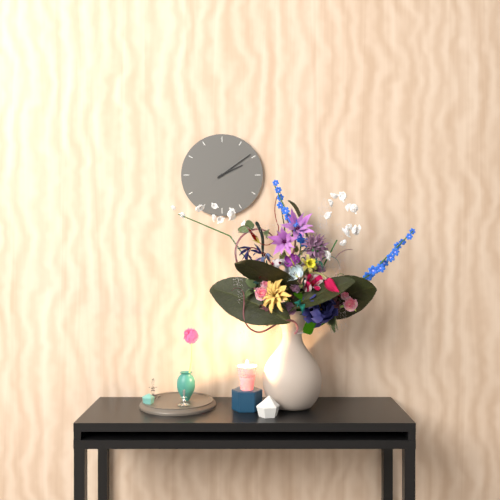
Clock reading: 2.09
